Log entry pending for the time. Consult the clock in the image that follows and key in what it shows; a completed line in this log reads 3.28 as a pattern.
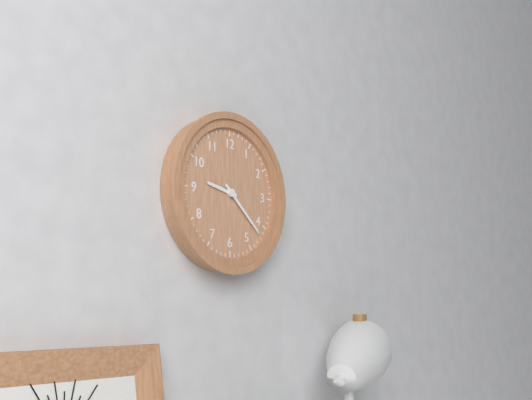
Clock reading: 9.22
